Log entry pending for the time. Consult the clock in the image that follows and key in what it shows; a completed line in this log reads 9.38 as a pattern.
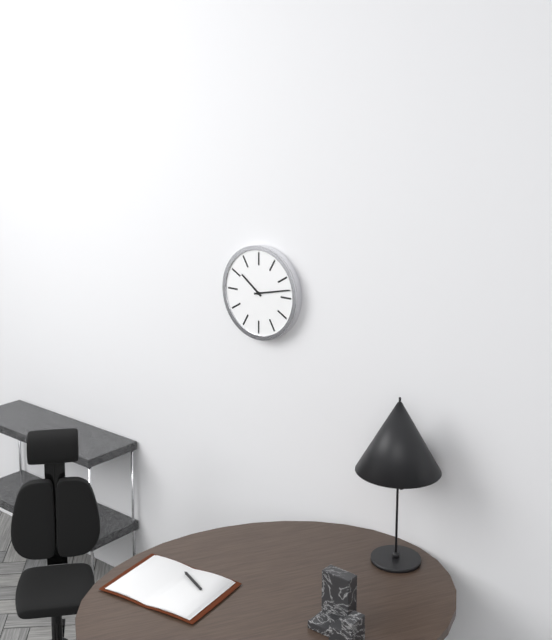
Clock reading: 10.13
